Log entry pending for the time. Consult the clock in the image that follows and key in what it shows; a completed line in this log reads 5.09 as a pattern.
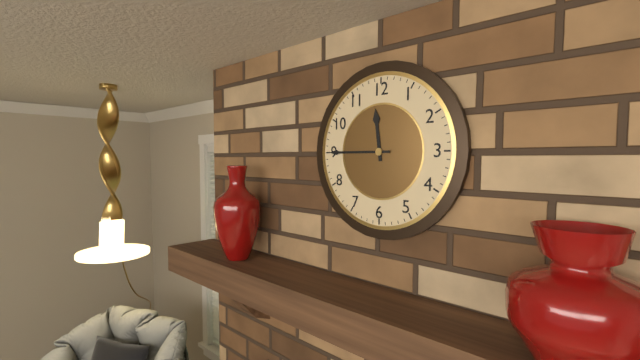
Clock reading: 11.45
